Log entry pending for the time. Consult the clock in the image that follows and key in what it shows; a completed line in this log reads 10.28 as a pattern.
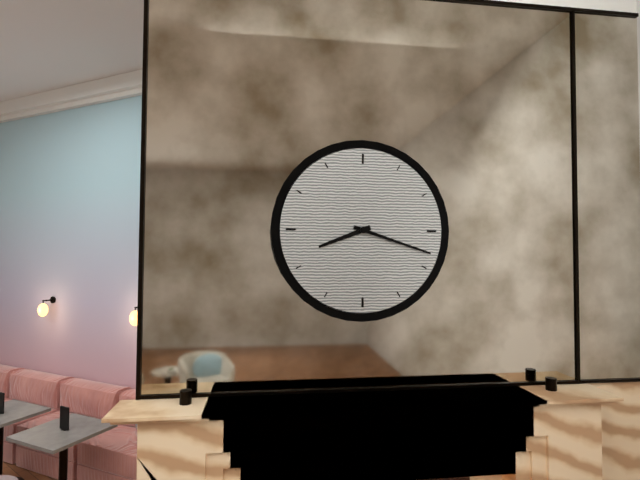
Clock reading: 8.18
